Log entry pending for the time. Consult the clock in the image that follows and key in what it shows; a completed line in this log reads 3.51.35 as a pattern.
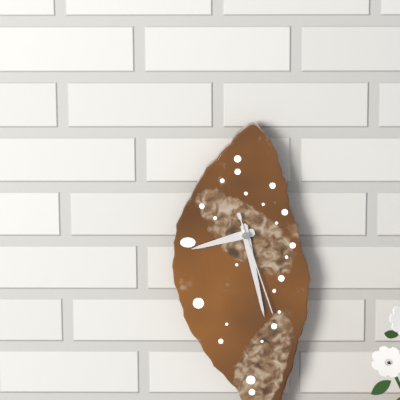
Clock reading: 8.28.27
